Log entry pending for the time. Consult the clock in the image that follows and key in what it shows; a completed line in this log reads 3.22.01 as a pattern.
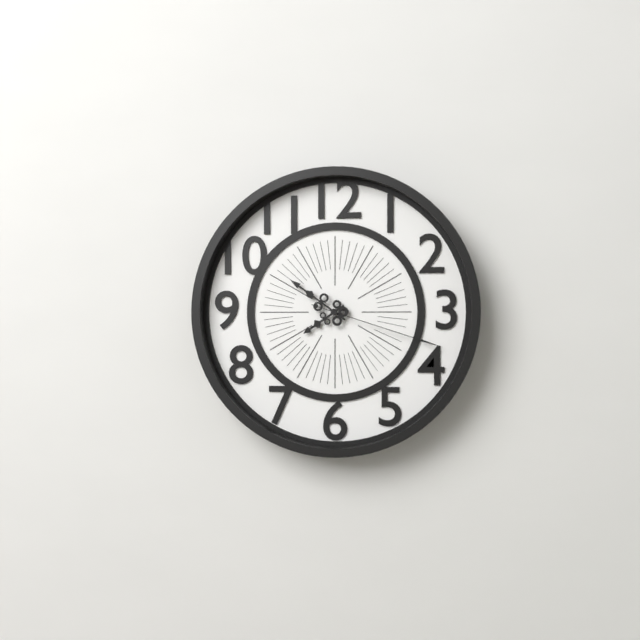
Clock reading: 7.51.18
